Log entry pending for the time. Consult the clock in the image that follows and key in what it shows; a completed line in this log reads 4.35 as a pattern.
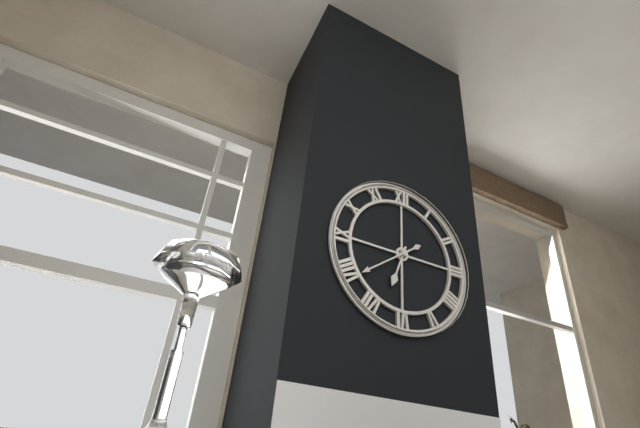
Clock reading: 6.39
